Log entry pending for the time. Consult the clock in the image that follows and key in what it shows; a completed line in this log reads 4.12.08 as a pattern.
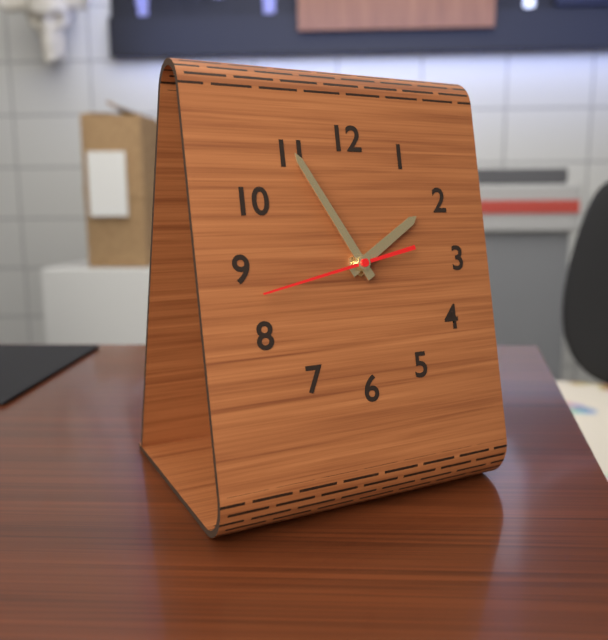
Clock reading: 1.55.43
